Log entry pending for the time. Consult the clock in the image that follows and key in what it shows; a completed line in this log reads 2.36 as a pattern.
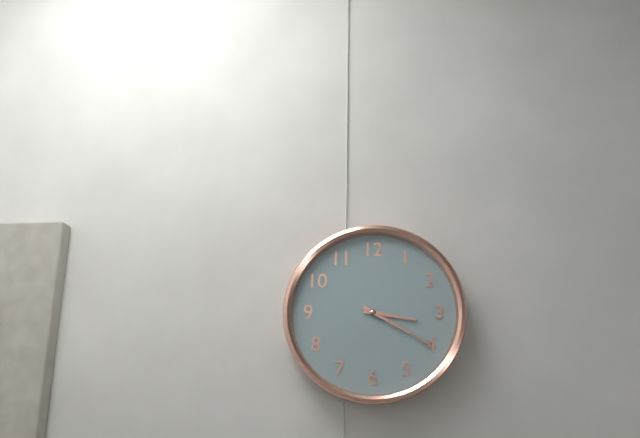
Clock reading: 3.20
